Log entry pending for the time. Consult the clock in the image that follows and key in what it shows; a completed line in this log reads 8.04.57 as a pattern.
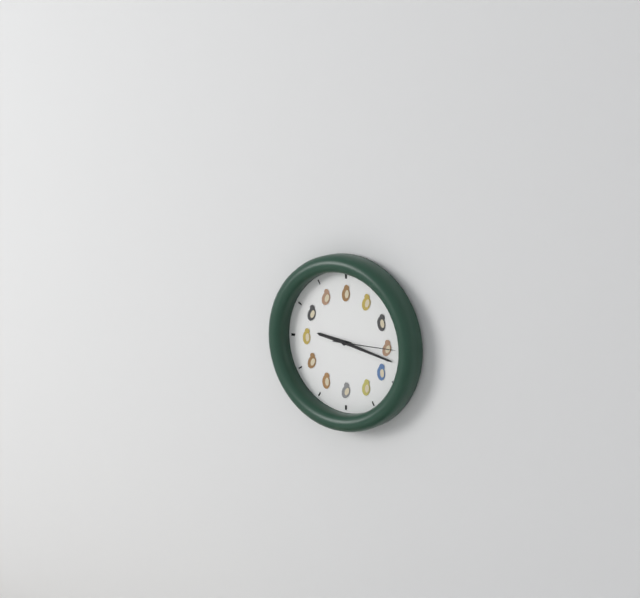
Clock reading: 9.17.15
